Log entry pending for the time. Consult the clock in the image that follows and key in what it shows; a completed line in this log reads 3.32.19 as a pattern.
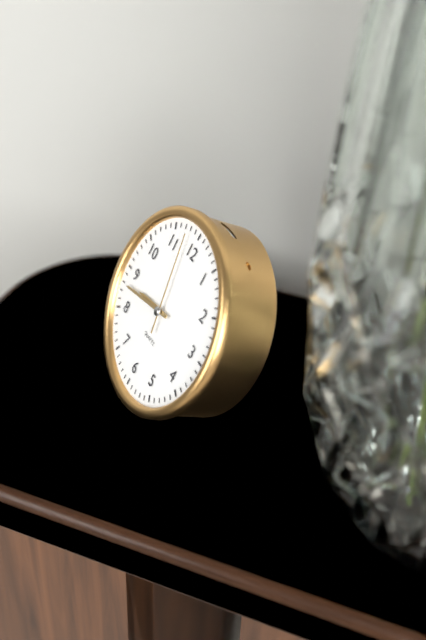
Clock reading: 8.43.58
